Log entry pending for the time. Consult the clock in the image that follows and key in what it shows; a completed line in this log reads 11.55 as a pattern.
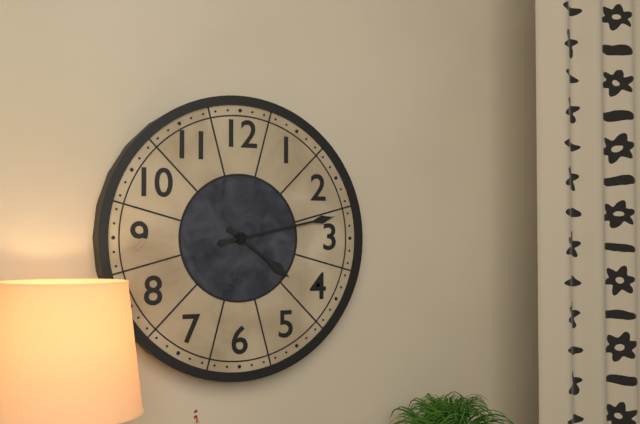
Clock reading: 4.13
